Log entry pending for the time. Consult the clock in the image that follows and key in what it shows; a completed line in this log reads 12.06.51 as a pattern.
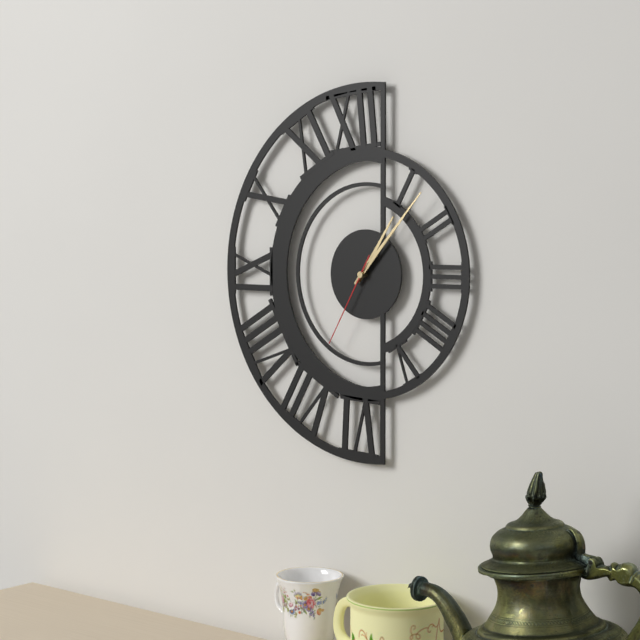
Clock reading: 1.07.35
